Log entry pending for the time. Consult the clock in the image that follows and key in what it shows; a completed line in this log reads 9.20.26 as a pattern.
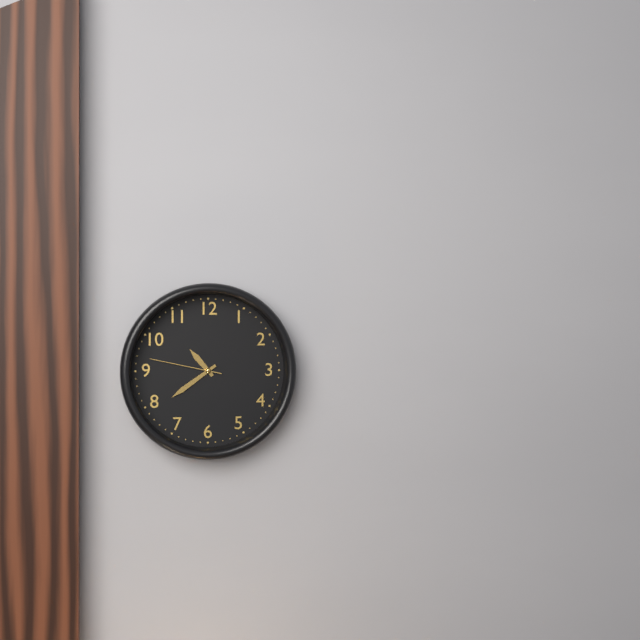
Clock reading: 10.39.47
